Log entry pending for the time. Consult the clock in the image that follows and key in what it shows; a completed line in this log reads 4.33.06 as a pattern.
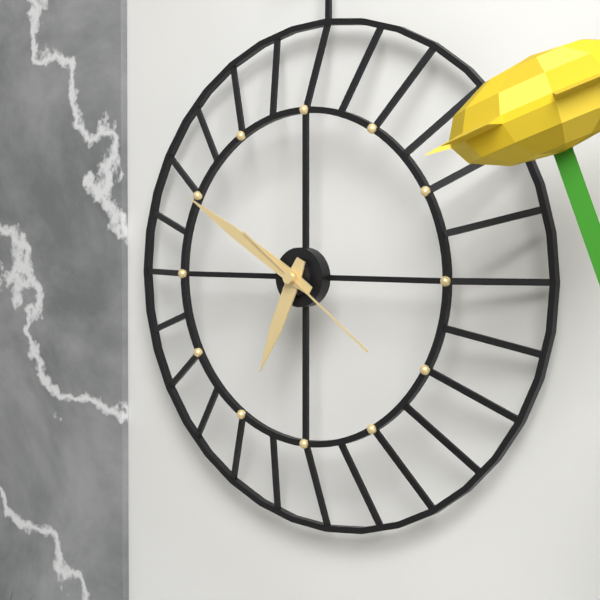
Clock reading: 6.50.21
